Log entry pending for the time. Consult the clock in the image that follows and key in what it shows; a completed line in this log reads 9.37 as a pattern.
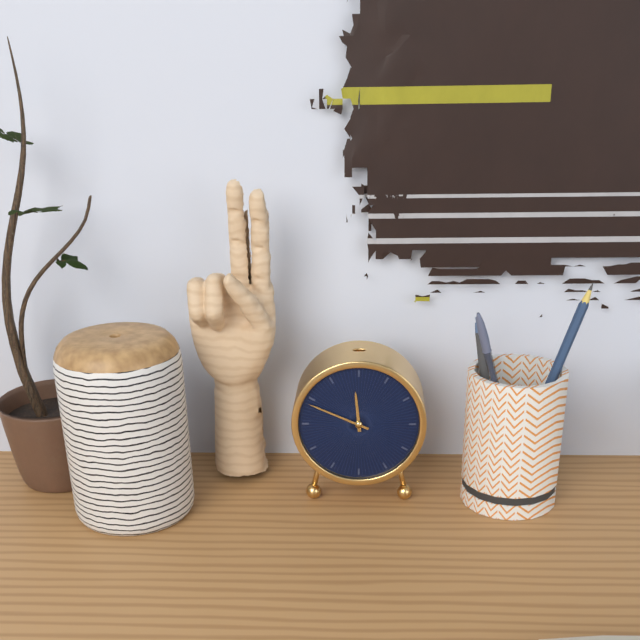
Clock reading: 11.49
